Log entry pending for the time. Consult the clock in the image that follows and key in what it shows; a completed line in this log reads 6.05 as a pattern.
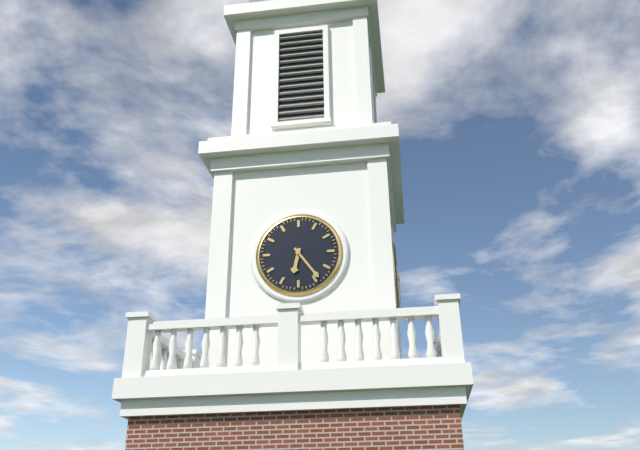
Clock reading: 6.24
